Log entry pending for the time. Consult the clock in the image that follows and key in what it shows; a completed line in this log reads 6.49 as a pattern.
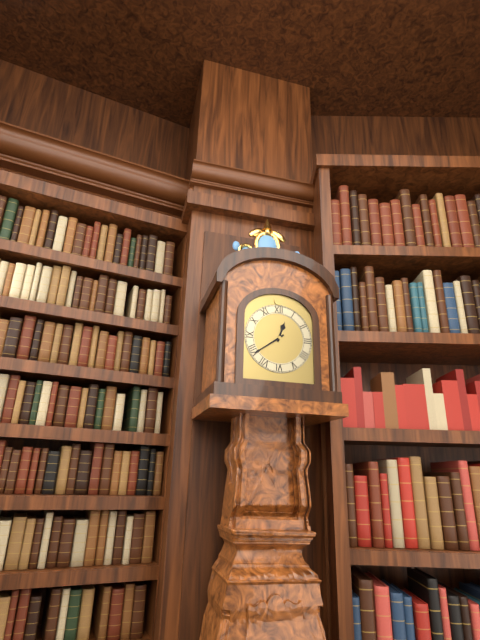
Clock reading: 12.39
